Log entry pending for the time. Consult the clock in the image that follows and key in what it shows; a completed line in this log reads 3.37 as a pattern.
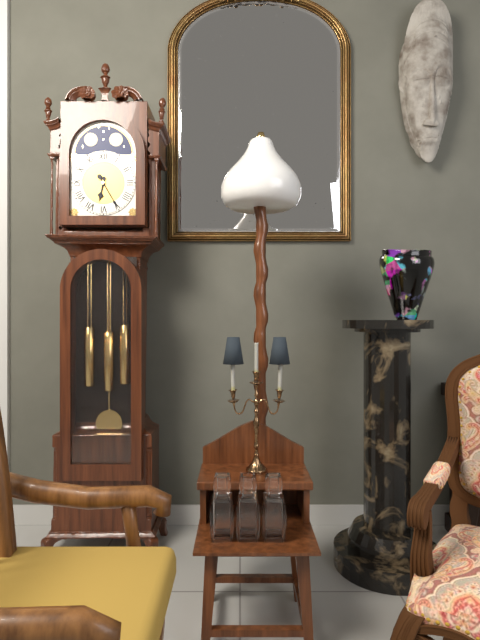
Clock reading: 6.25
